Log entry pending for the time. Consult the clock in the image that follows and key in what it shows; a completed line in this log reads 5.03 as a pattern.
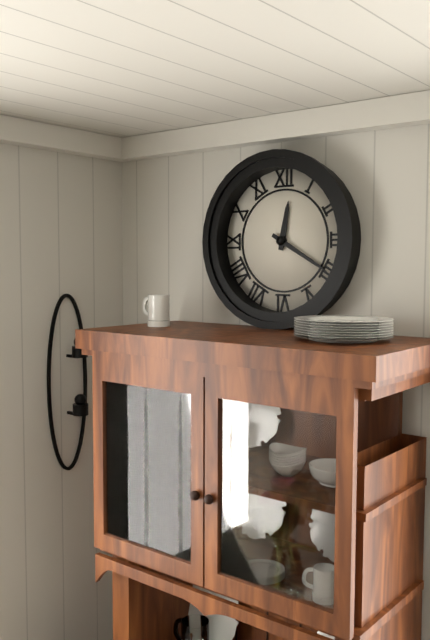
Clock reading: 12.20
